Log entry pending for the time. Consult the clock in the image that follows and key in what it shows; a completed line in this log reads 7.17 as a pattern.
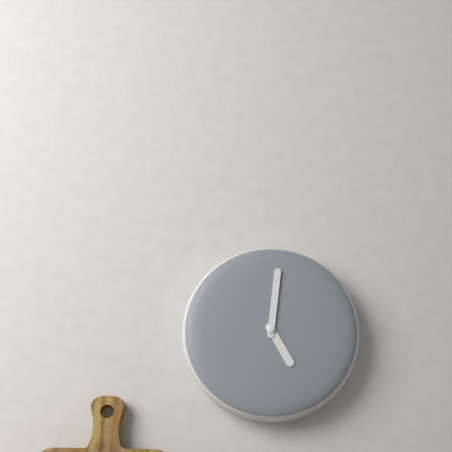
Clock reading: 5.01
